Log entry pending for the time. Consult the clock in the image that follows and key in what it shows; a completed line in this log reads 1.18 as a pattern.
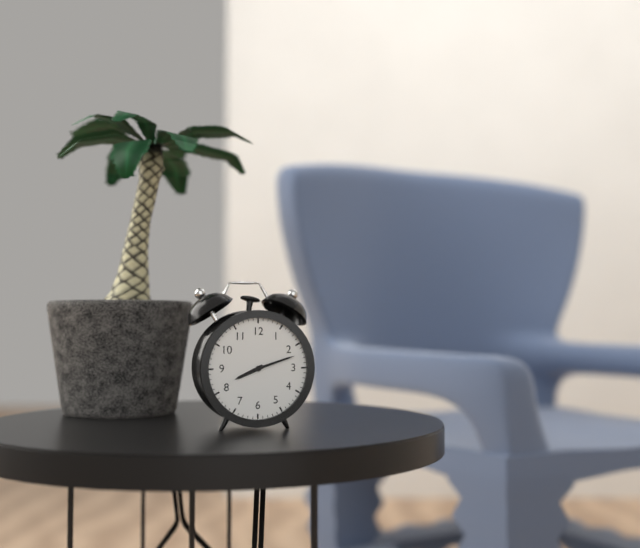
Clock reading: 8.12
